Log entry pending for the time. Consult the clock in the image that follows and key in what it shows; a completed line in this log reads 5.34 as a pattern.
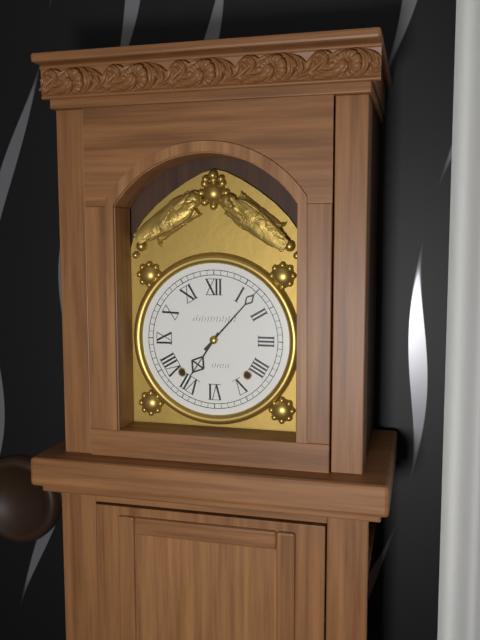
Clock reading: 7.07
